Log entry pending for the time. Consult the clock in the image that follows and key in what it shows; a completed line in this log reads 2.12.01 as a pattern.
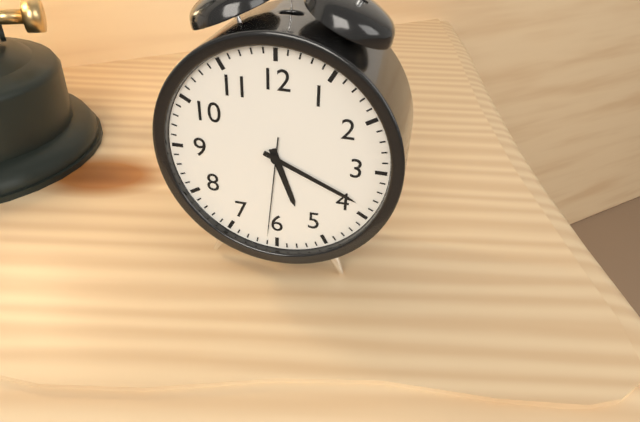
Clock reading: 5.19.31
